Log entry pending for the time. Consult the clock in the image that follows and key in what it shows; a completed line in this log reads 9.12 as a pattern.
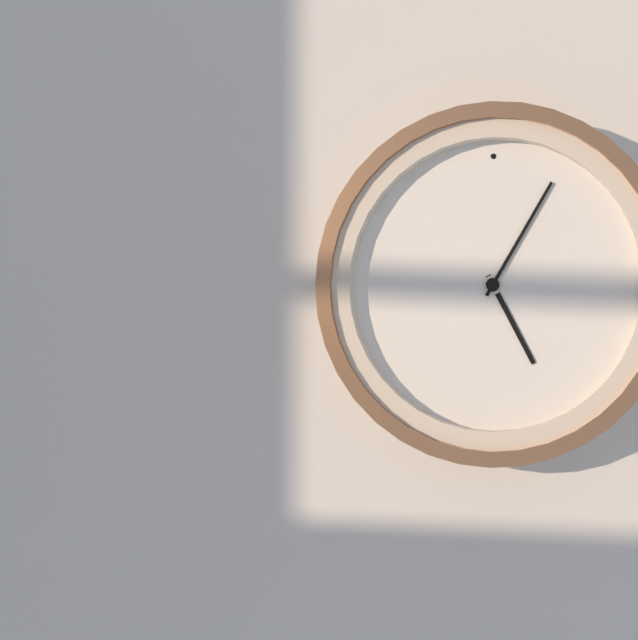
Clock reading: 5.05
